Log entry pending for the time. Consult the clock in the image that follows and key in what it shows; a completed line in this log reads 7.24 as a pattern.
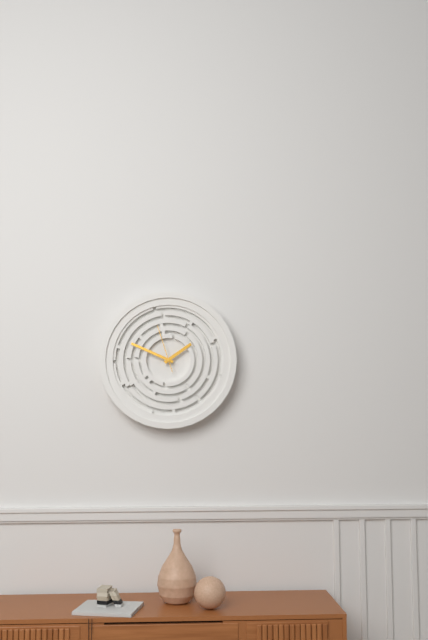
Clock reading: 1.49
